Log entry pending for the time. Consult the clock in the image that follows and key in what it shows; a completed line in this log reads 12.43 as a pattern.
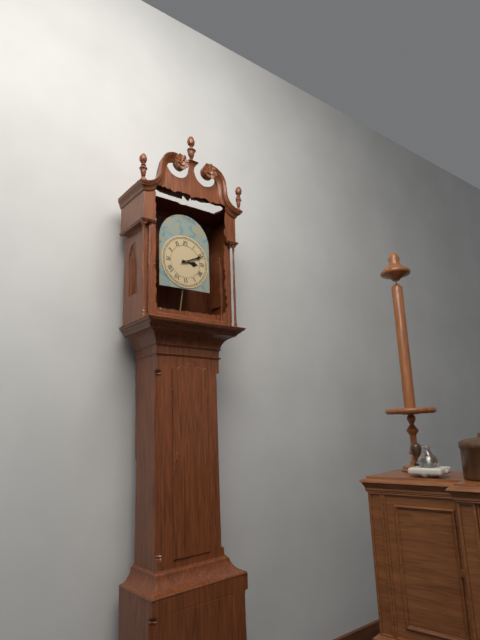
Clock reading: 3.11
